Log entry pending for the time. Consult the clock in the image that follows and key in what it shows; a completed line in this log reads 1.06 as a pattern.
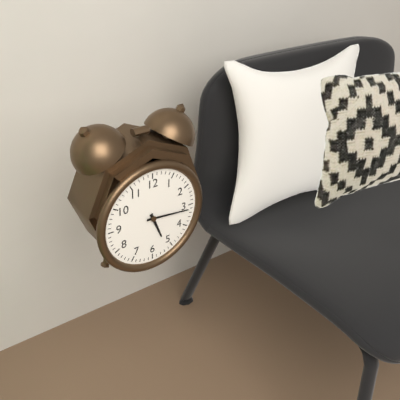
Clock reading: 5.16
